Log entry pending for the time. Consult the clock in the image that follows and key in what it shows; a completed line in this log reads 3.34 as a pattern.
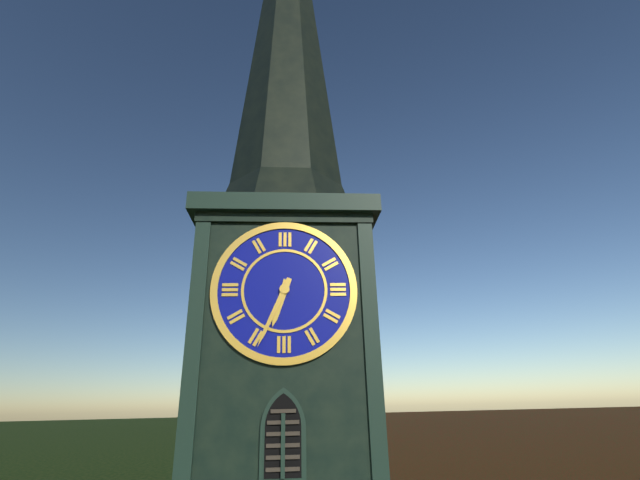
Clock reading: 6.34
